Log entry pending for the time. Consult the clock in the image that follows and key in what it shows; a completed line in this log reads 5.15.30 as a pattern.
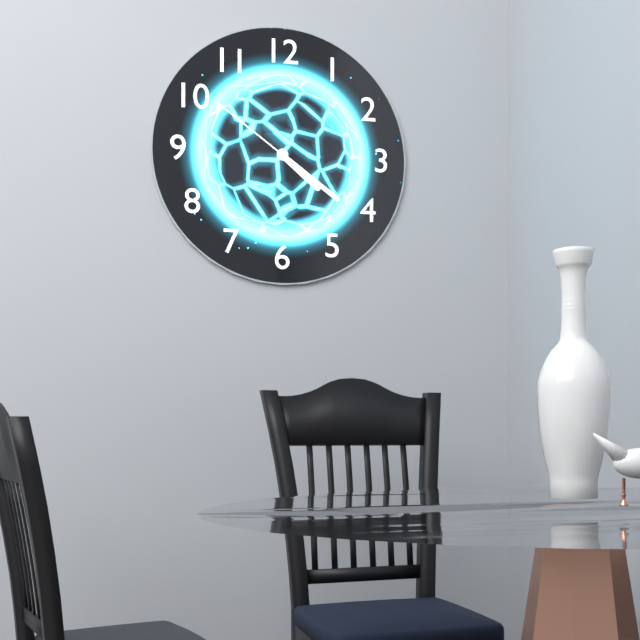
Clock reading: 4.21.51
